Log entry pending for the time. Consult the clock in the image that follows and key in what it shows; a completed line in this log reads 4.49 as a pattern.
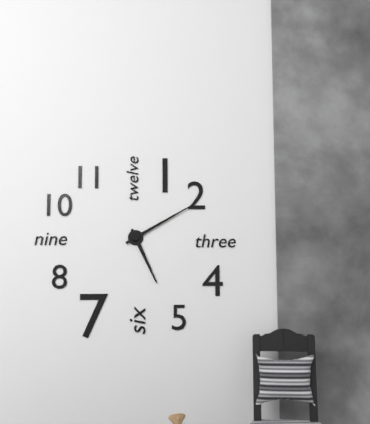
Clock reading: 5.10
